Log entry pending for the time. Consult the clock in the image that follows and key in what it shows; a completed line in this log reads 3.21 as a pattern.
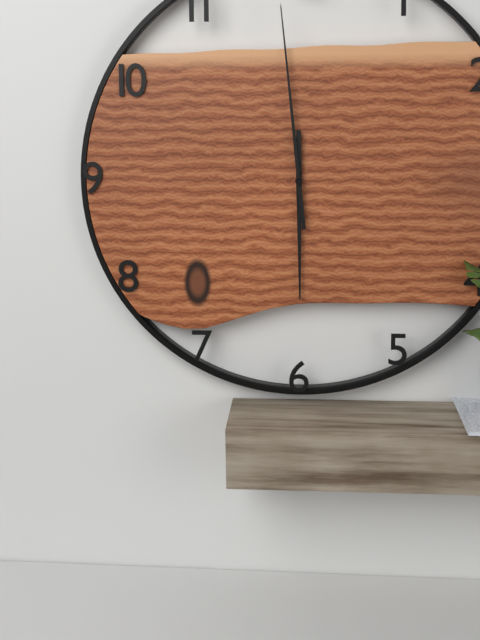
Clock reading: 5.59
